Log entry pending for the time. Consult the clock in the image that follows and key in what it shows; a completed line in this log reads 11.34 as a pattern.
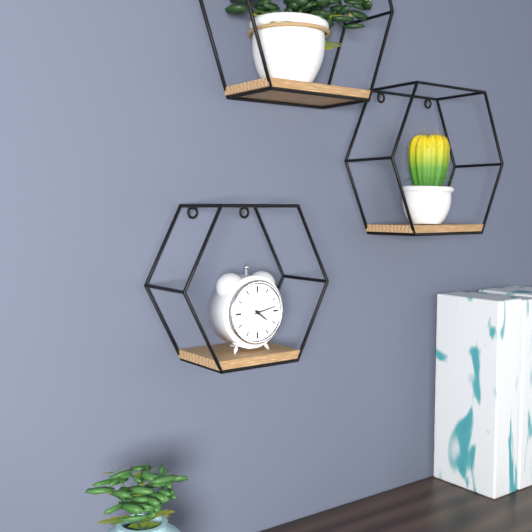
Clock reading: 4.13
